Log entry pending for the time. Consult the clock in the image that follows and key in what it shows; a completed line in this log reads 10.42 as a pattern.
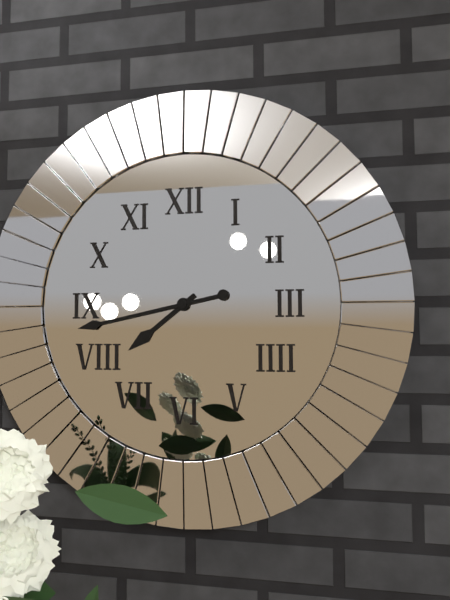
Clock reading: 7.43
